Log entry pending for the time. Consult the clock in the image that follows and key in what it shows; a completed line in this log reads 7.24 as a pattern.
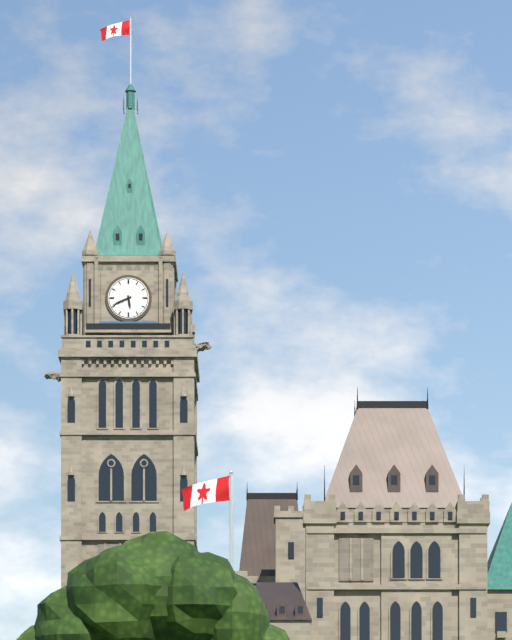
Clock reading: 5.41
